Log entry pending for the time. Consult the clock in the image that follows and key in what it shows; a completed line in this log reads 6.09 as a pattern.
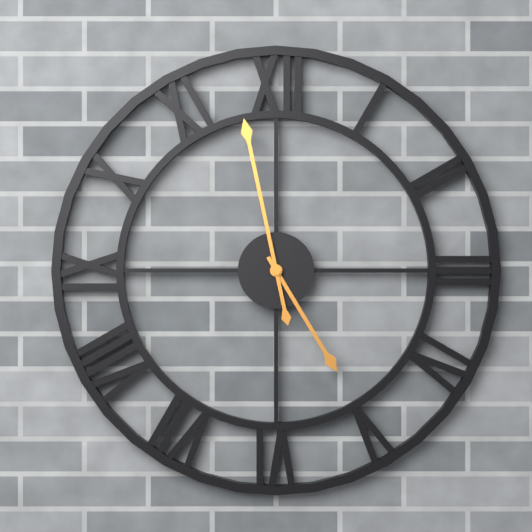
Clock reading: 4.58
